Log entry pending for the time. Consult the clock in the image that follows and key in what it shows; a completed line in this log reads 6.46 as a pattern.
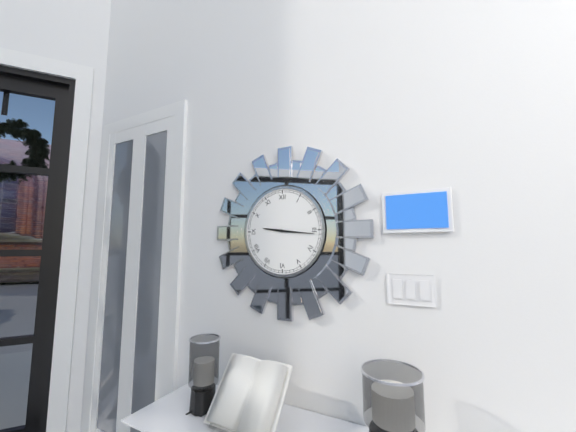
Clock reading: 9.16
